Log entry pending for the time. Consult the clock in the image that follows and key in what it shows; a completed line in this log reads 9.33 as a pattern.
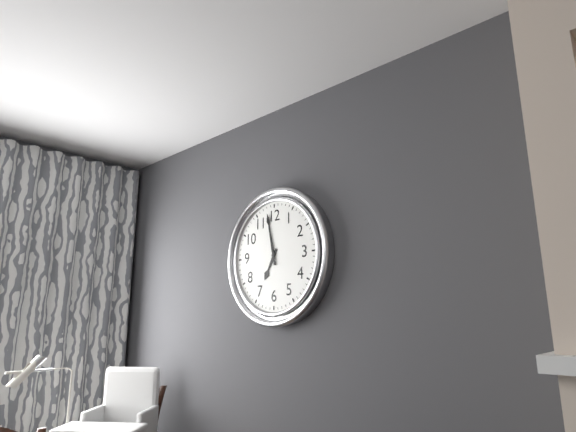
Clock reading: 6.58
